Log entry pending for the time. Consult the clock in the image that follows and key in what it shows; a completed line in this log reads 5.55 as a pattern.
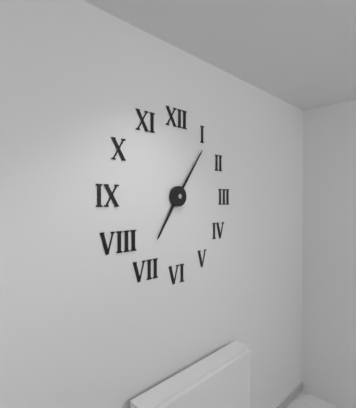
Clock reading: 7.06
